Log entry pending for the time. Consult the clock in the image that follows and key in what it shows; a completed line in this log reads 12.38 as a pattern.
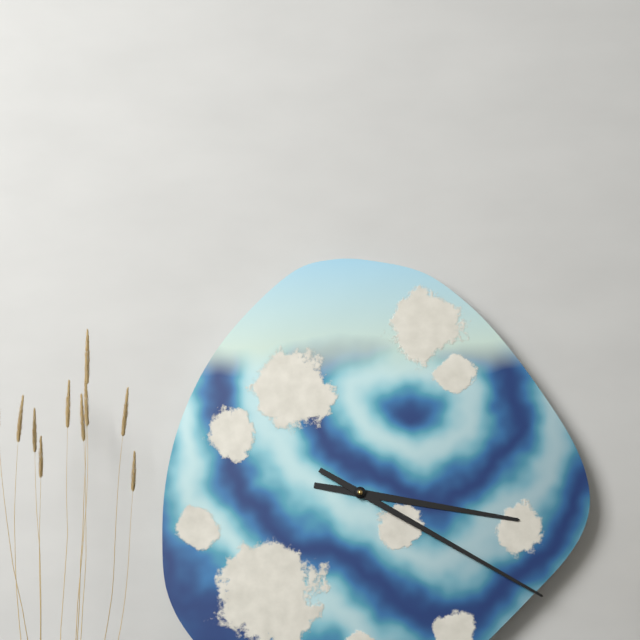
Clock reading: 3.20
